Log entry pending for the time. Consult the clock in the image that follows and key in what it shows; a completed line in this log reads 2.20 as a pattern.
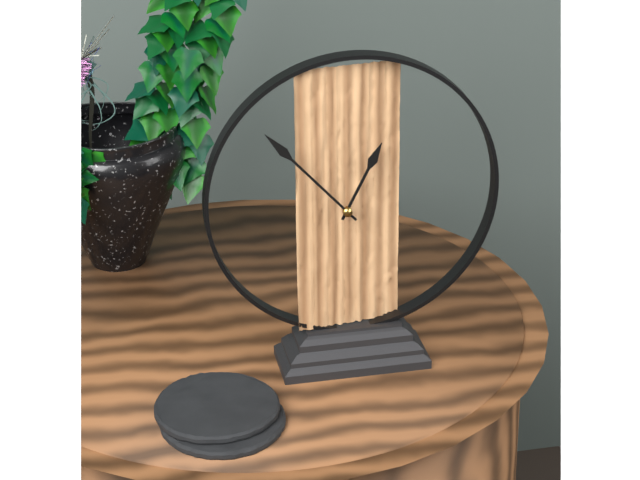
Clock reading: 12.53
